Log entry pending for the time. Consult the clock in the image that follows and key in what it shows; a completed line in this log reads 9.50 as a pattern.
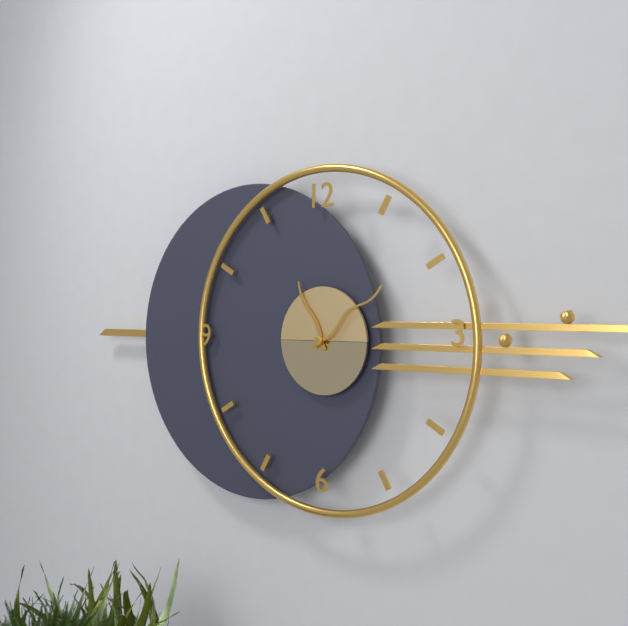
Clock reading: 11.09
